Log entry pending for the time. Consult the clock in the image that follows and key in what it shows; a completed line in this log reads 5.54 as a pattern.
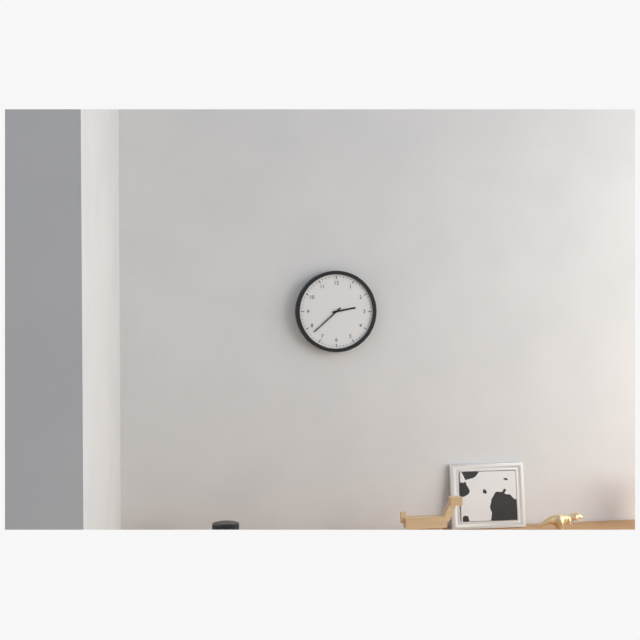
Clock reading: 2.38
